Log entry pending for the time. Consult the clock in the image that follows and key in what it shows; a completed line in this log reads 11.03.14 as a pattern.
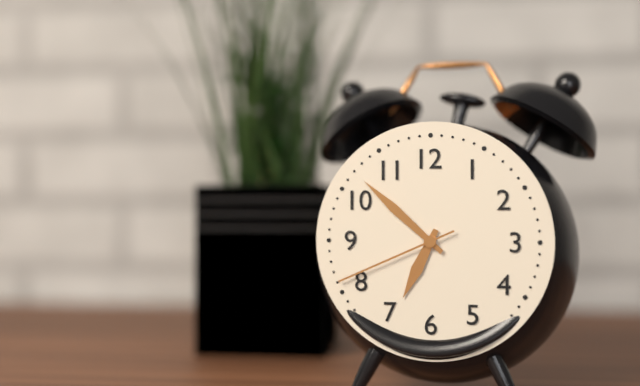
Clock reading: 6.52.41
